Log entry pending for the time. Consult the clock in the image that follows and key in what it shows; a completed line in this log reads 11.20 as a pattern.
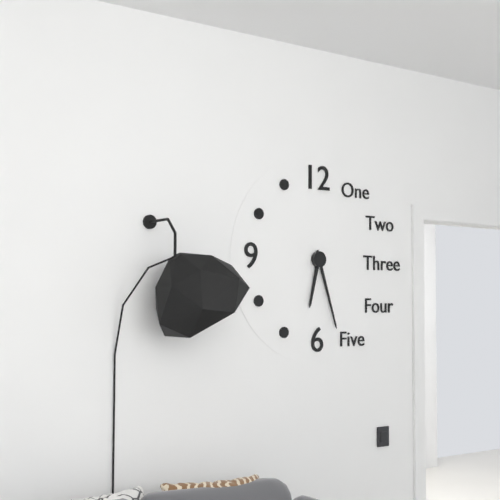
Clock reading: 6.27
